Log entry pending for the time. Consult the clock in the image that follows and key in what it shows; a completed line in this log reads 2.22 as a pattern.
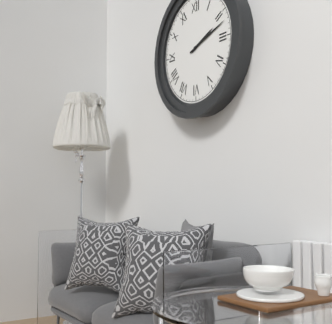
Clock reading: 2.12
